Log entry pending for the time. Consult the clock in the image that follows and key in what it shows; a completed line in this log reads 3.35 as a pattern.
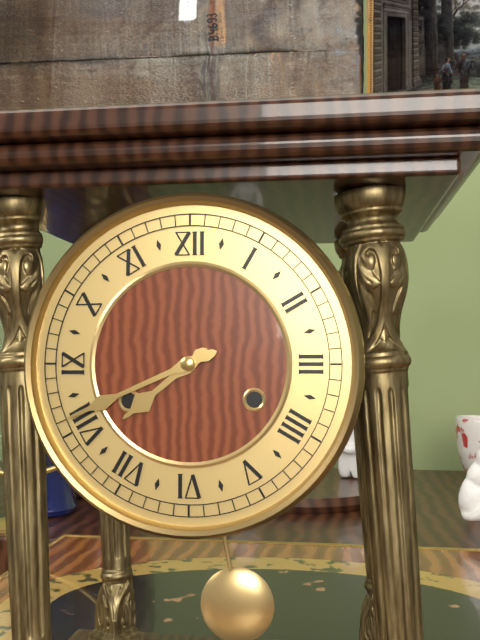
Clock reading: 7.41
